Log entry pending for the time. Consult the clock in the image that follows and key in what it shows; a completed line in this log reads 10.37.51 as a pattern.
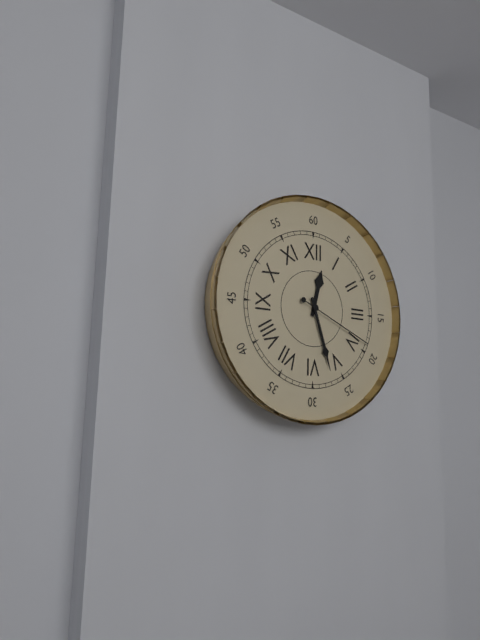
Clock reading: 12.27.19
